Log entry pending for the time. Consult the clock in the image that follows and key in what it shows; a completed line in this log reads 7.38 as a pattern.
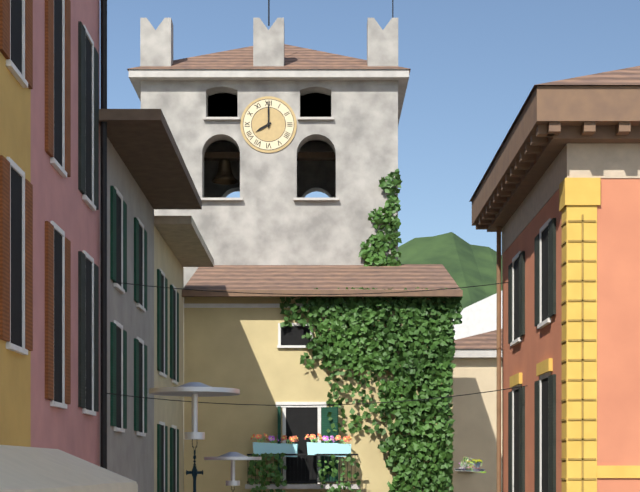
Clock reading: 8.00
